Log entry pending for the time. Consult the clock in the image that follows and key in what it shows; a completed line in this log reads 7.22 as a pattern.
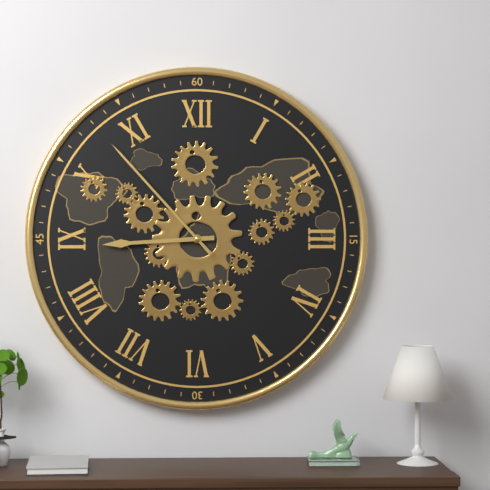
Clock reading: 8.53
